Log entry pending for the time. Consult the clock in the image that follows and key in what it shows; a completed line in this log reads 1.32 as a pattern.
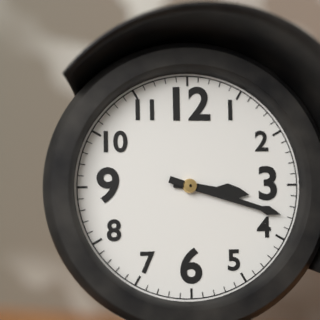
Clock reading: 3.18
